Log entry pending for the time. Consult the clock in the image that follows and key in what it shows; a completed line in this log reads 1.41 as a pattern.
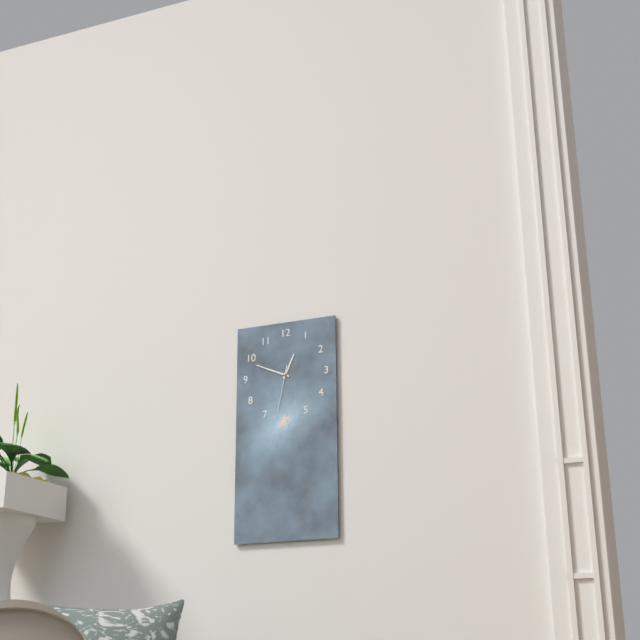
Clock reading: 12.49
